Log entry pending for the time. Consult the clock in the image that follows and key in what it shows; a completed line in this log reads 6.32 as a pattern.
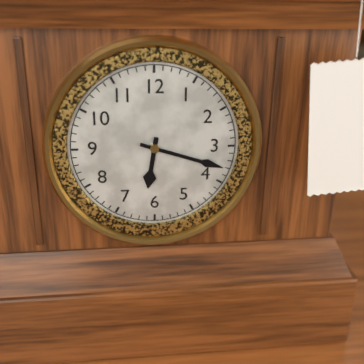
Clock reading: 6.18
